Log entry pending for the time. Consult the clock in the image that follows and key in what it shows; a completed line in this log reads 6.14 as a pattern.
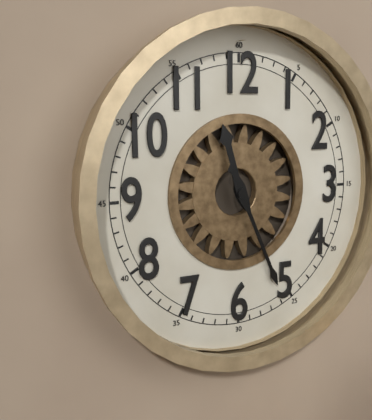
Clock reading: 11.26
